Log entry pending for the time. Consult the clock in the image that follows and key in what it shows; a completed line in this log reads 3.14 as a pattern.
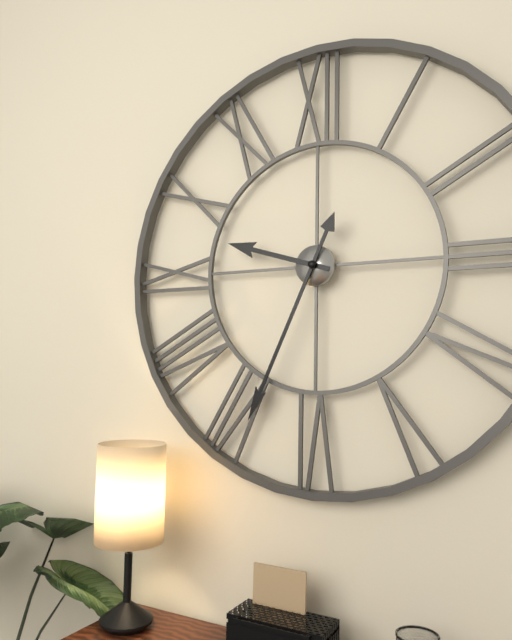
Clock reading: 9.34
